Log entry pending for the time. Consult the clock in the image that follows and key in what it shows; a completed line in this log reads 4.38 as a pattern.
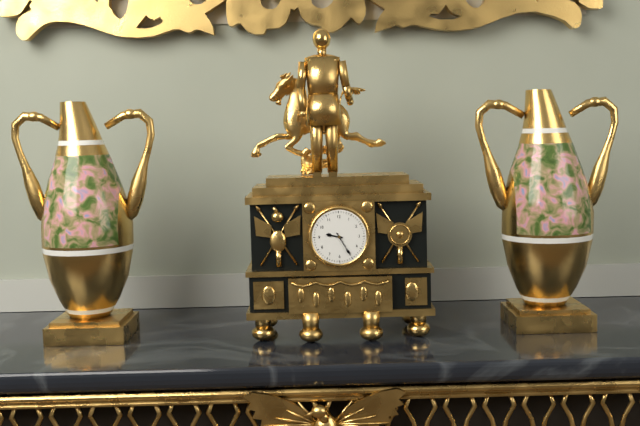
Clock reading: 9.25
